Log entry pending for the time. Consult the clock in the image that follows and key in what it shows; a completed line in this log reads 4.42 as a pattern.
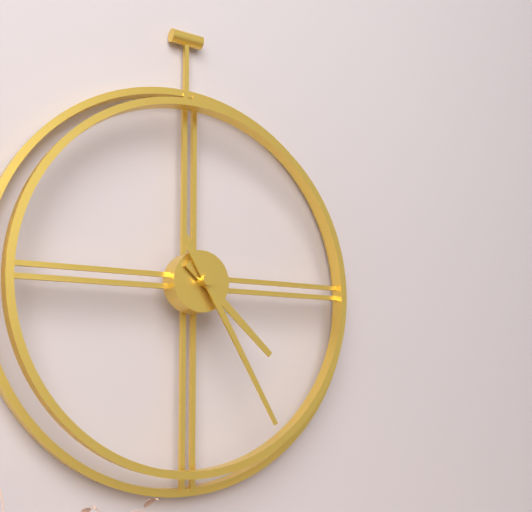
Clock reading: 4.25
